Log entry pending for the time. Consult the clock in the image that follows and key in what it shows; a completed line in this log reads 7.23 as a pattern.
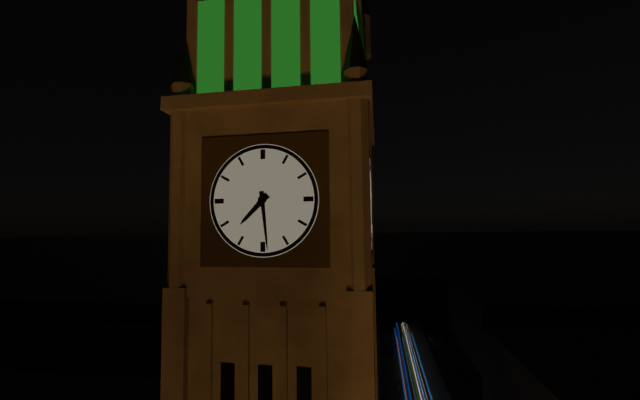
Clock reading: 7.29
